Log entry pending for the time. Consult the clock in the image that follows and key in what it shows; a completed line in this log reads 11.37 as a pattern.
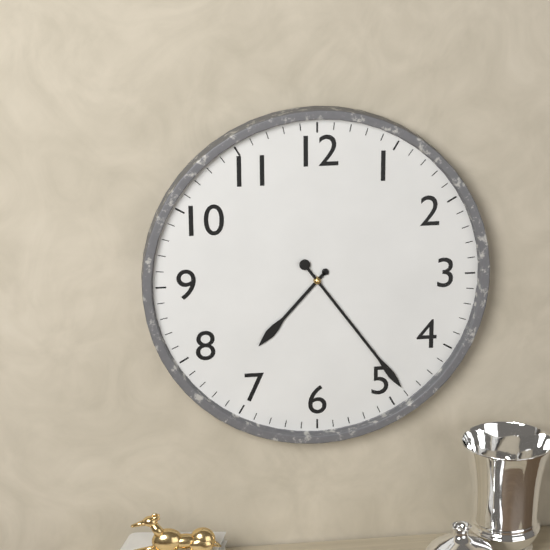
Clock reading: 7.24
